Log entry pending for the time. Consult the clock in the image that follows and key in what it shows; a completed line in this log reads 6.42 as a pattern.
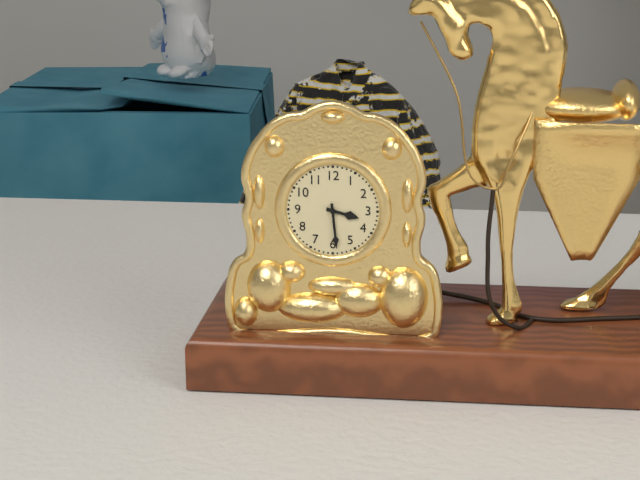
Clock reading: 3.29
